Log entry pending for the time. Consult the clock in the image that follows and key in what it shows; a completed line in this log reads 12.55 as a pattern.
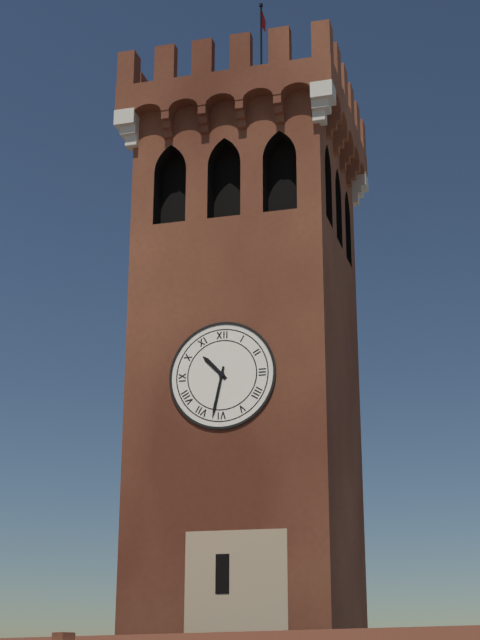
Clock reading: 10.32
